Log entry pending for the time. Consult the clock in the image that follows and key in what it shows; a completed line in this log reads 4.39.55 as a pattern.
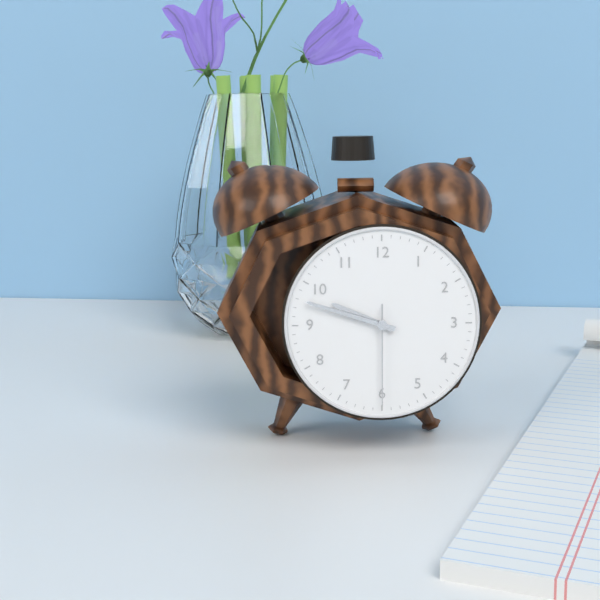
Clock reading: 9.48.30
